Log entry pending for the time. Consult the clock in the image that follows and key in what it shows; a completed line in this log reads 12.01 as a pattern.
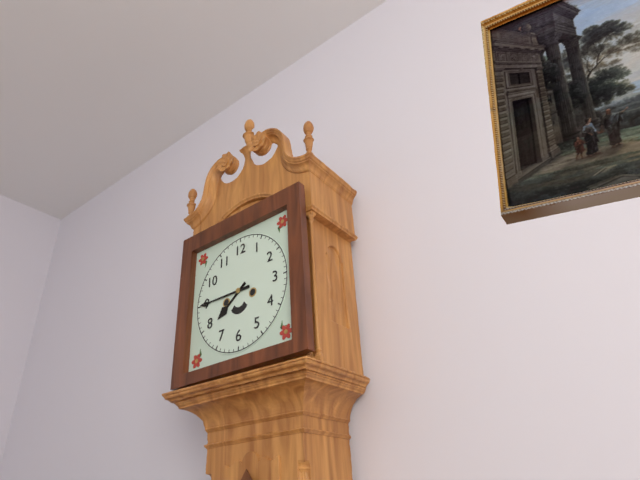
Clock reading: 7.45
